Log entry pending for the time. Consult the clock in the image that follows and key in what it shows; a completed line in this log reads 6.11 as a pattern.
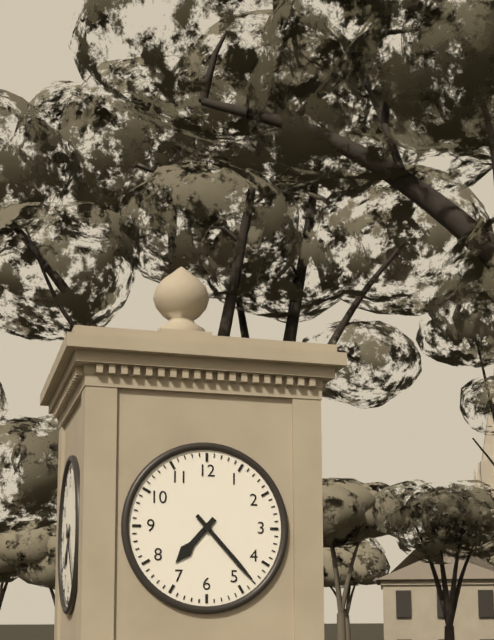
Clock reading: 7.23
